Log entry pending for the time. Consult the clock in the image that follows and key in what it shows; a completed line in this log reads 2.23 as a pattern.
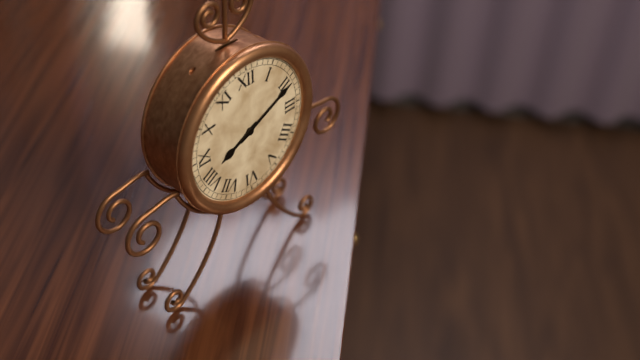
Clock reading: 8.11
